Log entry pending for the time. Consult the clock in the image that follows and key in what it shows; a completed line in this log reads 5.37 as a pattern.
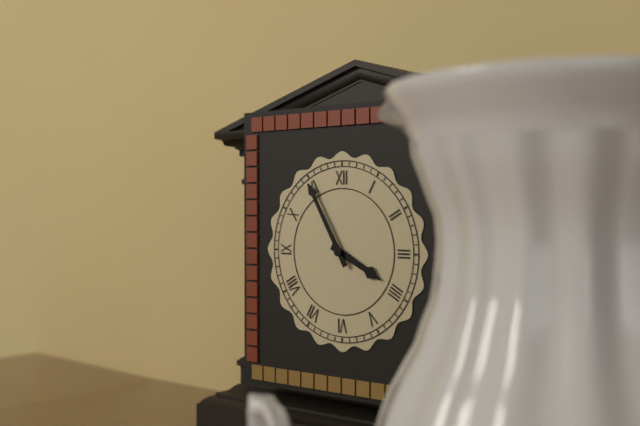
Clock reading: 3.55
